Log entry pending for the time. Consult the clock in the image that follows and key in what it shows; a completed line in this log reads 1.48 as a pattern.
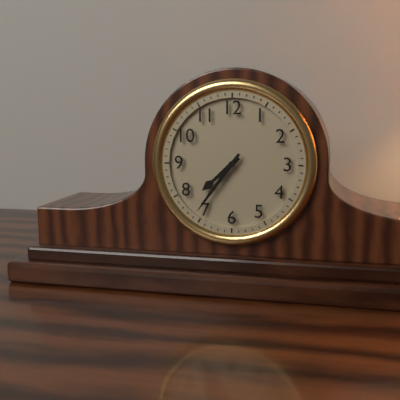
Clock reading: 7.36
